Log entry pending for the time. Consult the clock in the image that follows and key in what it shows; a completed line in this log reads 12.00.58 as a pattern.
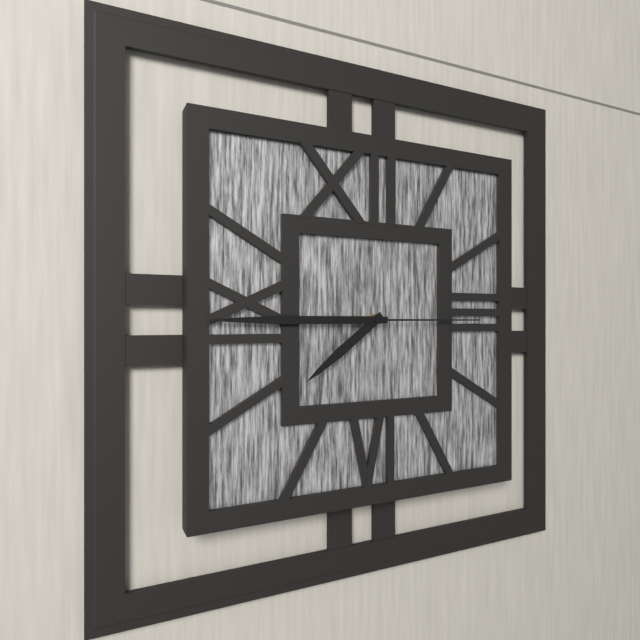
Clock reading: 7.45.15
